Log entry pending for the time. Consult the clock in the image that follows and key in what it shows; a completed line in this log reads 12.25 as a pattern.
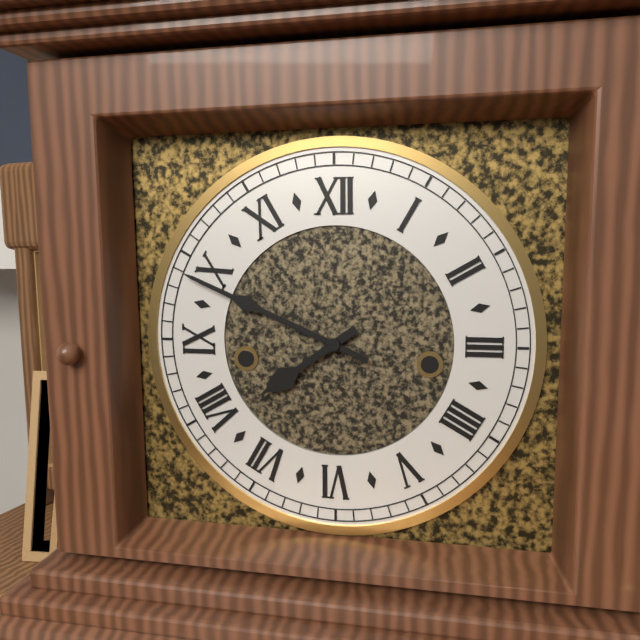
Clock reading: 7.49
